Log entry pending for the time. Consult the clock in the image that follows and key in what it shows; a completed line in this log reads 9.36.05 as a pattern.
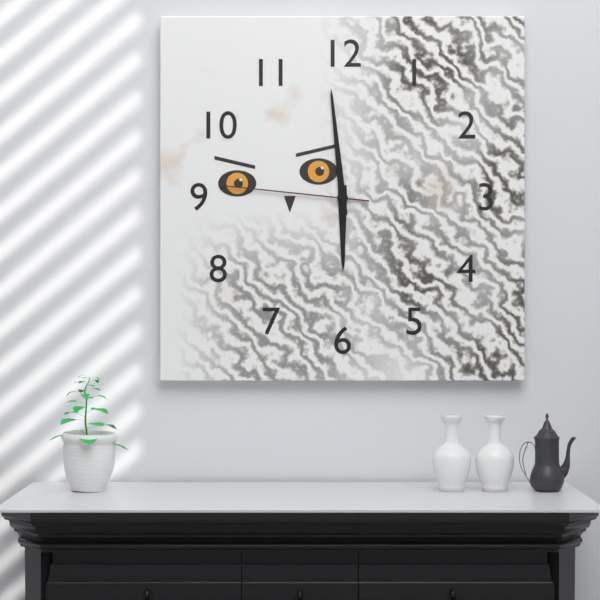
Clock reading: 5.59.46
